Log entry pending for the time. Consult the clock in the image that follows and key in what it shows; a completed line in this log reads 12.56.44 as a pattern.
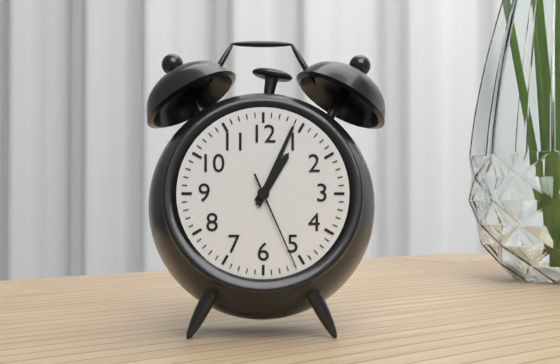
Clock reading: 1.04.26
